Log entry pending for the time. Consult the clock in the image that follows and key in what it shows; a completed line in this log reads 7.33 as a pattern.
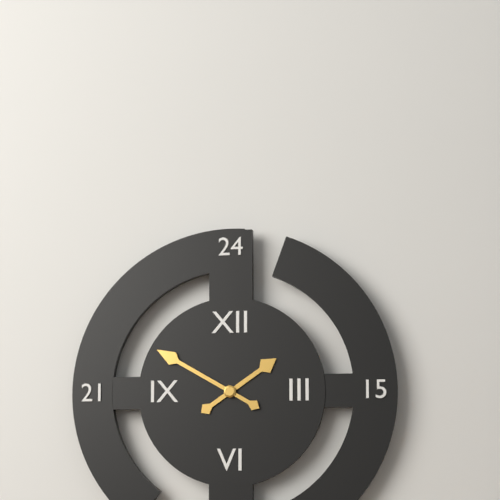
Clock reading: 1.50
